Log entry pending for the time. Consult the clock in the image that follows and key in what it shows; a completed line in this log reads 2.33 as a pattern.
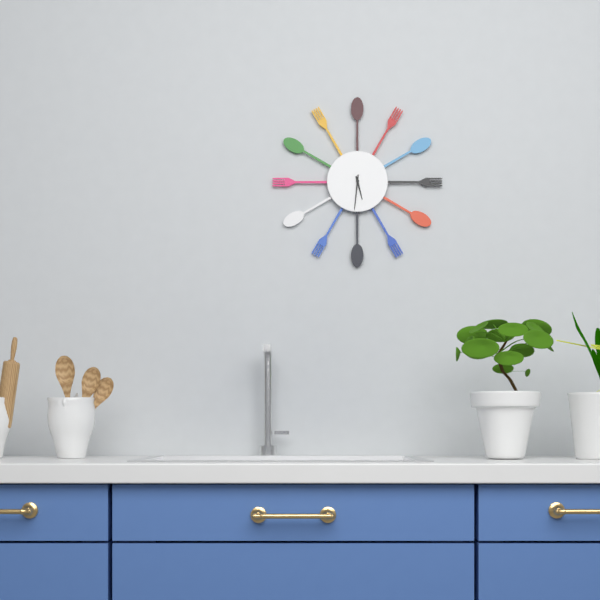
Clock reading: 5.31
